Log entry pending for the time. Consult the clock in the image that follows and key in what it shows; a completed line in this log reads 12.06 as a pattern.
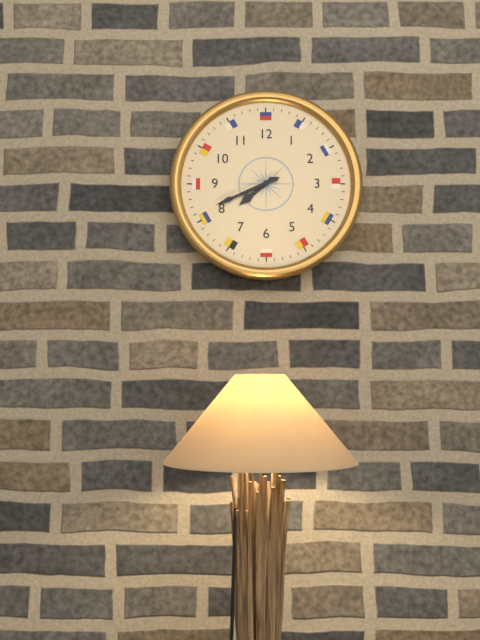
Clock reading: 7.41
